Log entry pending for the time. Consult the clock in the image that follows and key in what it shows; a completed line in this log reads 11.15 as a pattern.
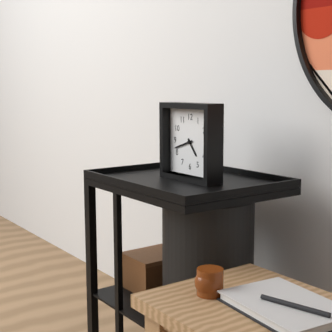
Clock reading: 4.42
